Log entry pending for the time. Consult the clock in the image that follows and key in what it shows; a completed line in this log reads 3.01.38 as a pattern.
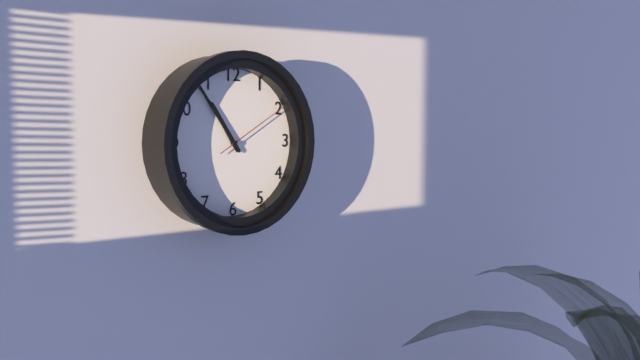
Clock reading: 10.54.10
